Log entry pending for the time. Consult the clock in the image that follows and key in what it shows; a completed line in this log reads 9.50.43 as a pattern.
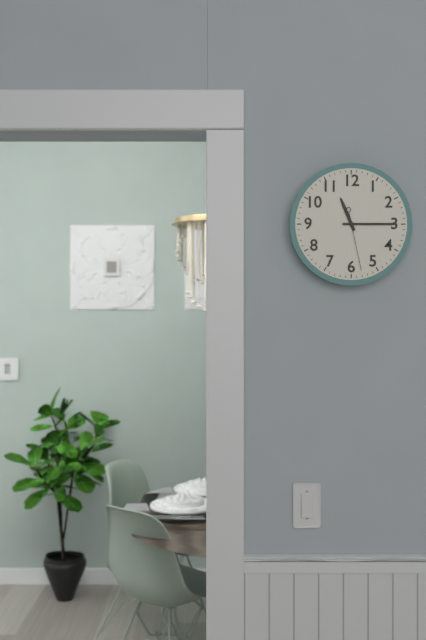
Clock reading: 11.15.28
